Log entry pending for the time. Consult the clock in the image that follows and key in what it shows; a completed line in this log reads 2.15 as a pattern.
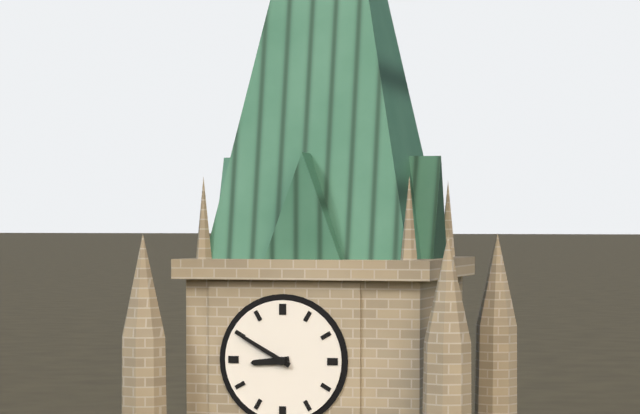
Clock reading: 8.50
